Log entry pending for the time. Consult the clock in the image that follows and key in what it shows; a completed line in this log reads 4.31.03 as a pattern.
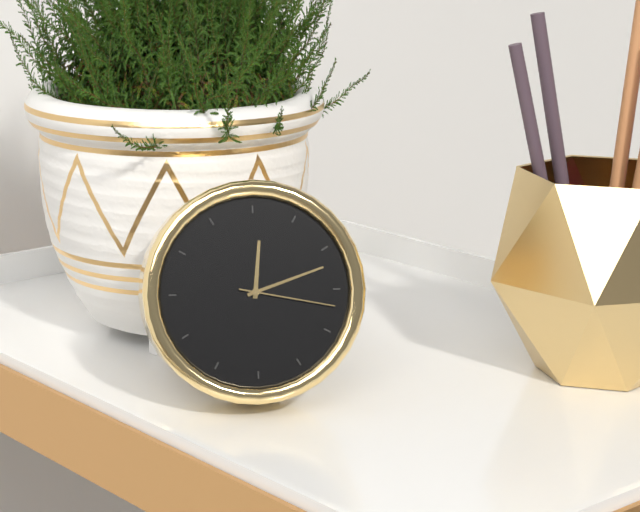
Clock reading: 12.12.17
